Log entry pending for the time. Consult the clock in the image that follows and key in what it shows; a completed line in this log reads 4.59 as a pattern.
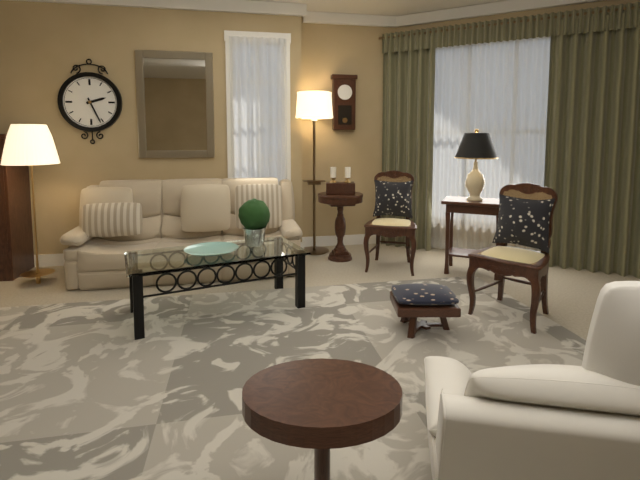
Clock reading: 2.26
